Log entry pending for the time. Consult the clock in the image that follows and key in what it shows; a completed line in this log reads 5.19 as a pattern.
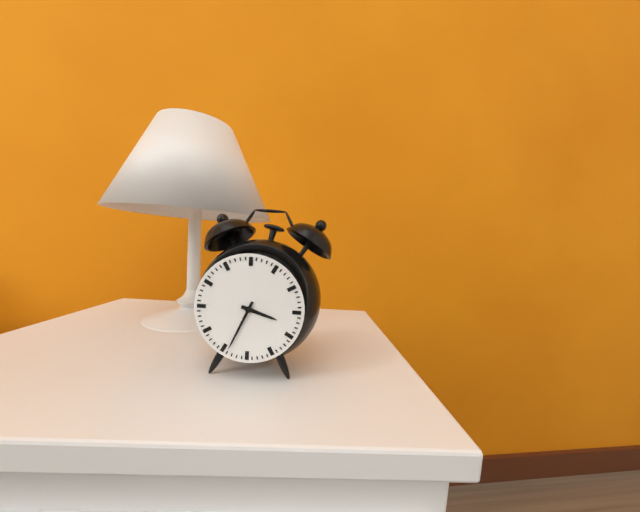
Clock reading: 3.34
